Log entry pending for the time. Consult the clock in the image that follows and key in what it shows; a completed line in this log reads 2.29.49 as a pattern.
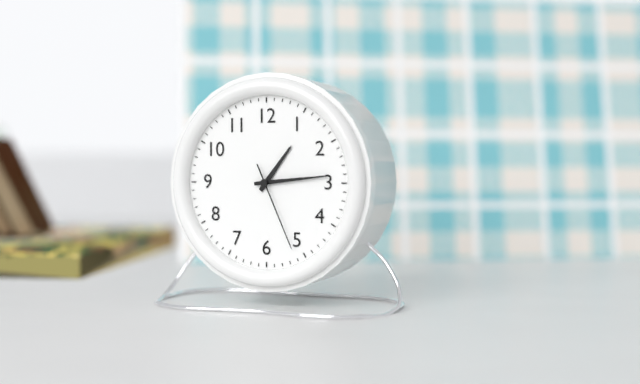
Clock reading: 1.14.26
